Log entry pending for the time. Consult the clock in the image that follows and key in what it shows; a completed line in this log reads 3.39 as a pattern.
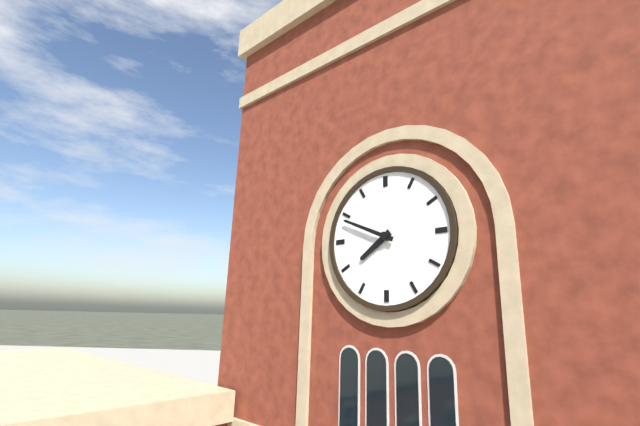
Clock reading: 7.49
